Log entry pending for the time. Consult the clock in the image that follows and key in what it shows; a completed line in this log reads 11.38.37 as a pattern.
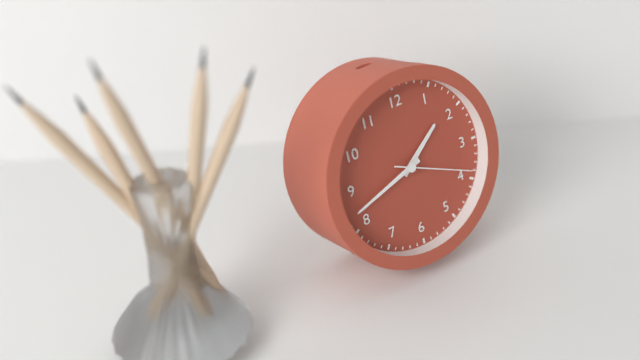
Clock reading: 1.42.19
